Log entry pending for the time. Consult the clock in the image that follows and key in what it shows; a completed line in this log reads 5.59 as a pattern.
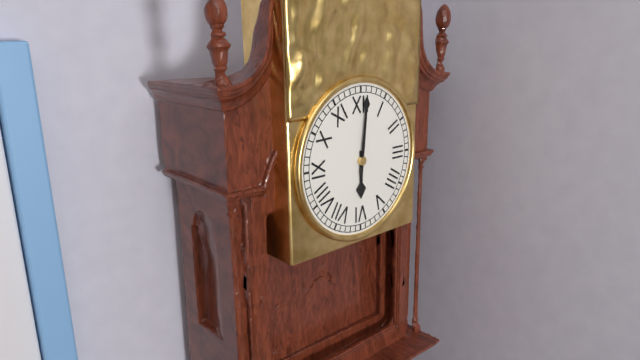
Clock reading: 6.01
